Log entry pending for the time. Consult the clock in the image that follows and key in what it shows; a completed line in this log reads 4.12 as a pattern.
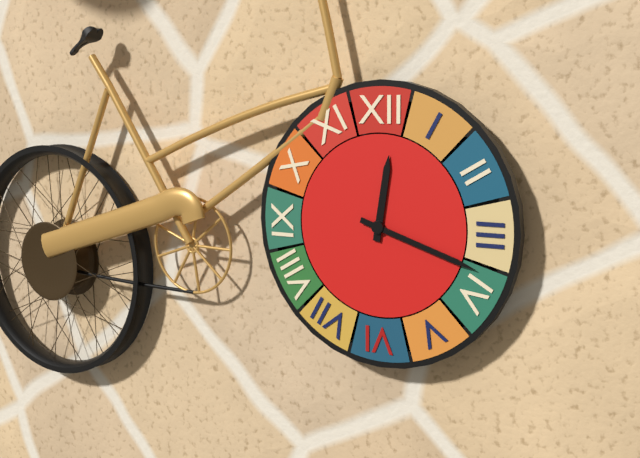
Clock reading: 12.18
